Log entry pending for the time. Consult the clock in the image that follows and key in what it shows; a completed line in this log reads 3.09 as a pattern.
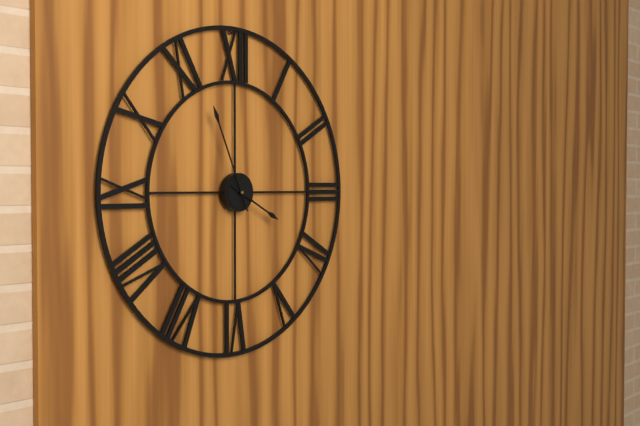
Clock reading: 3.56
